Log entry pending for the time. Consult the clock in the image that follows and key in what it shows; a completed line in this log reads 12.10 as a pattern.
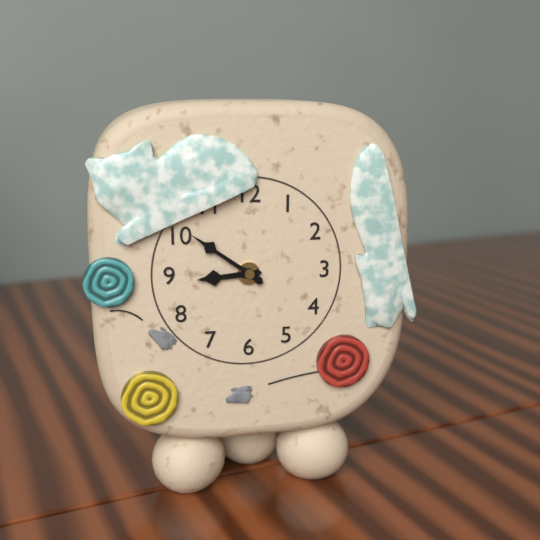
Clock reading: 8.51
